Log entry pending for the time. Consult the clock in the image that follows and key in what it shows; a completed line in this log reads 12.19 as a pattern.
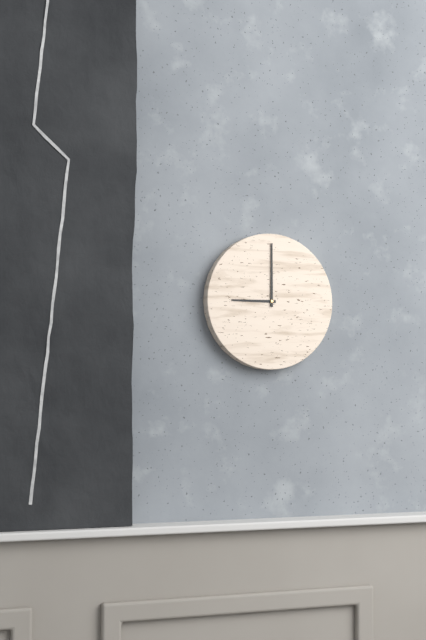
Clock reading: 9.00
